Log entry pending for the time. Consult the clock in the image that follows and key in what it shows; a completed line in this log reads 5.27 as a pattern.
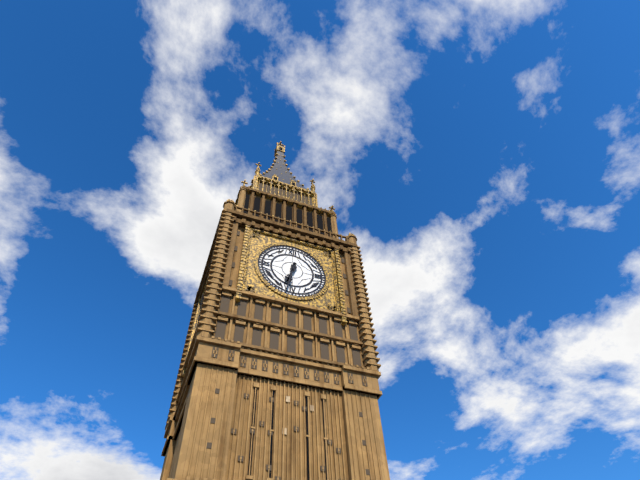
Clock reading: 6.32
